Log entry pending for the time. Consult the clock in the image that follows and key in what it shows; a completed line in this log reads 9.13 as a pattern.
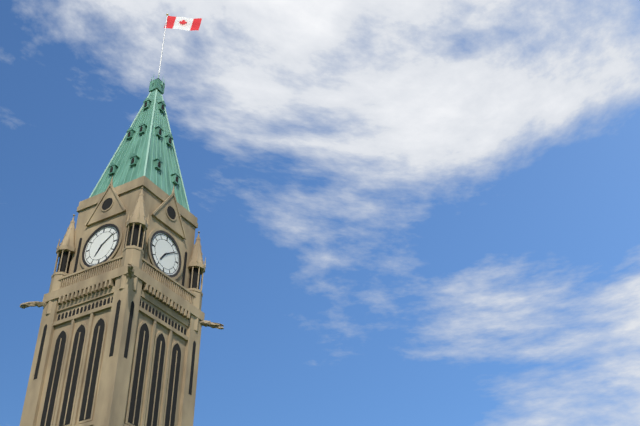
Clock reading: 7.09
